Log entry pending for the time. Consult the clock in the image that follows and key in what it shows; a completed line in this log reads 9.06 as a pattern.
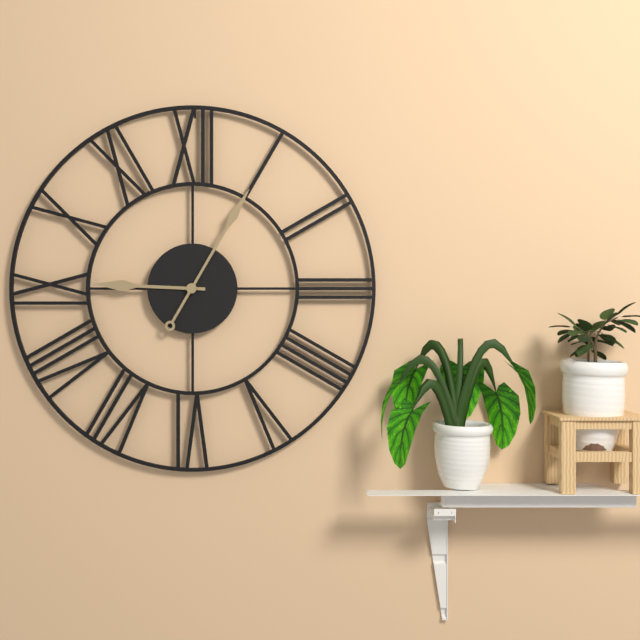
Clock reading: 9.05
